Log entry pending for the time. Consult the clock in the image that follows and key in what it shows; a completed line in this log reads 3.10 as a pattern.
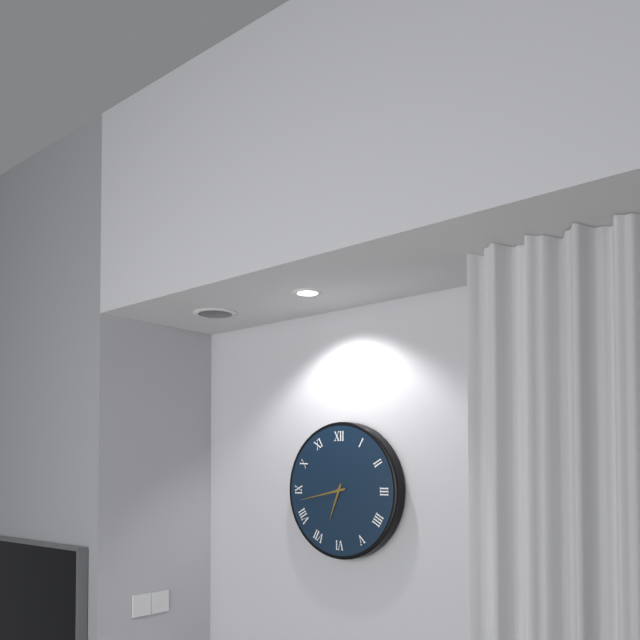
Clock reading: 6.43
